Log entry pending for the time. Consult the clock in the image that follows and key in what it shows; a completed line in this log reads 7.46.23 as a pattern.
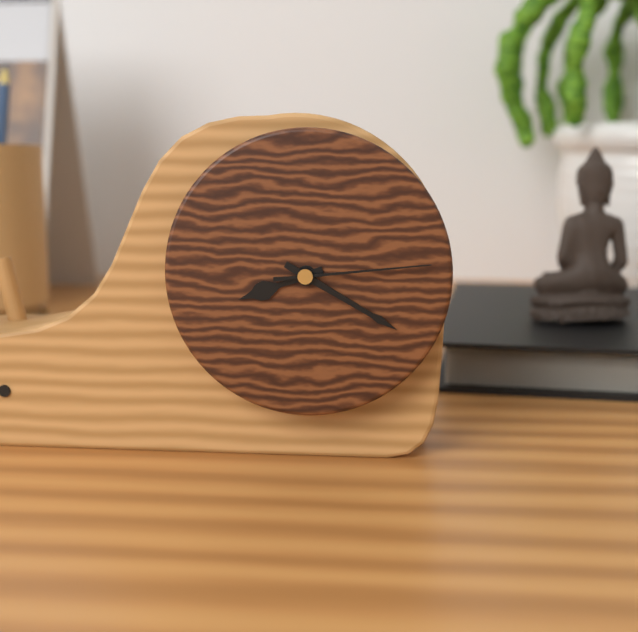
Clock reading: 8.20.14
